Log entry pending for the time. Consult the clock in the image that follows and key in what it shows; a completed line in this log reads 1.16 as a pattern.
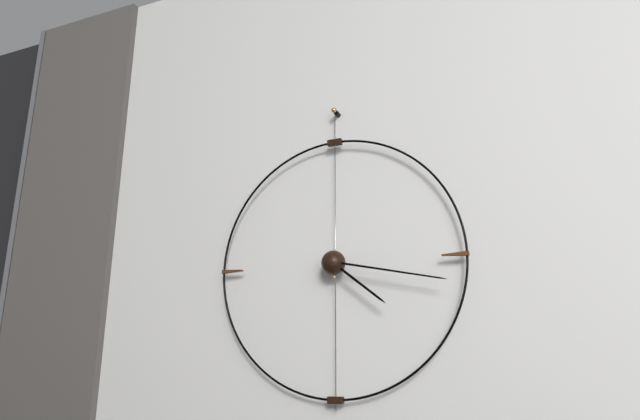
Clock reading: 4.17
